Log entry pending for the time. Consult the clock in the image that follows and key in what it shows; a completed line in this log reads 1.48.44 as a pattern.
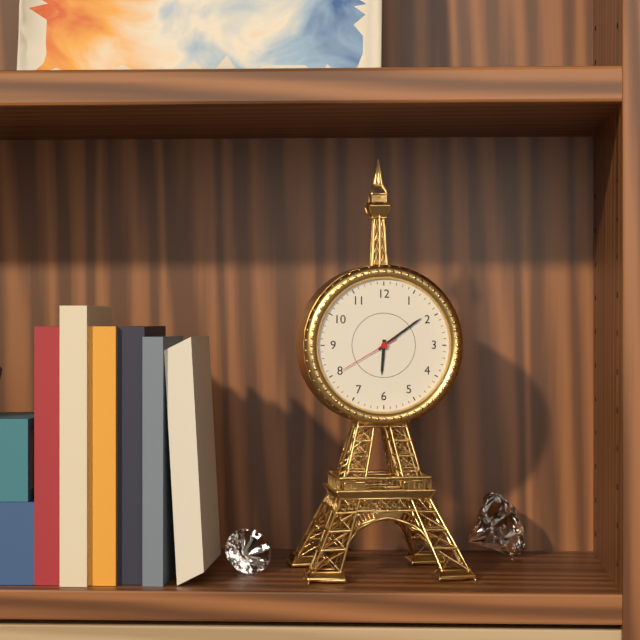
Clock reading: 6.09.40
